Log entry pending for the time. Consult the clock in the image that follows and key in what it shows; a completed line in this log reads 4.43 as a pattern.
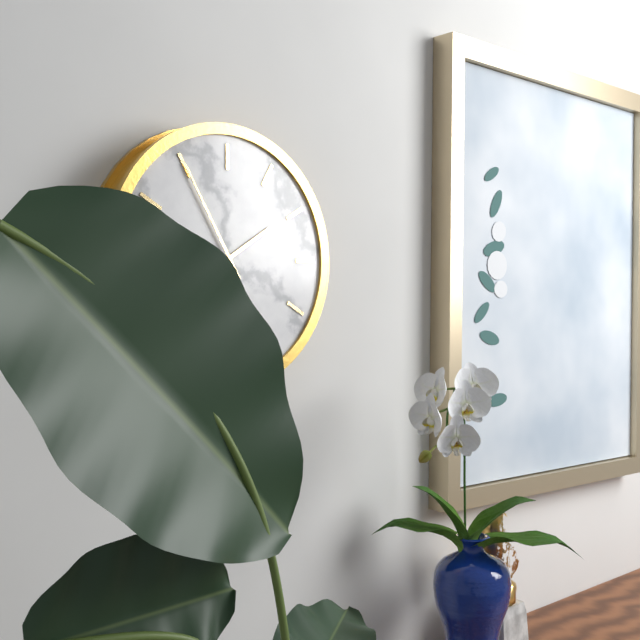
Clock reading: 1.55
